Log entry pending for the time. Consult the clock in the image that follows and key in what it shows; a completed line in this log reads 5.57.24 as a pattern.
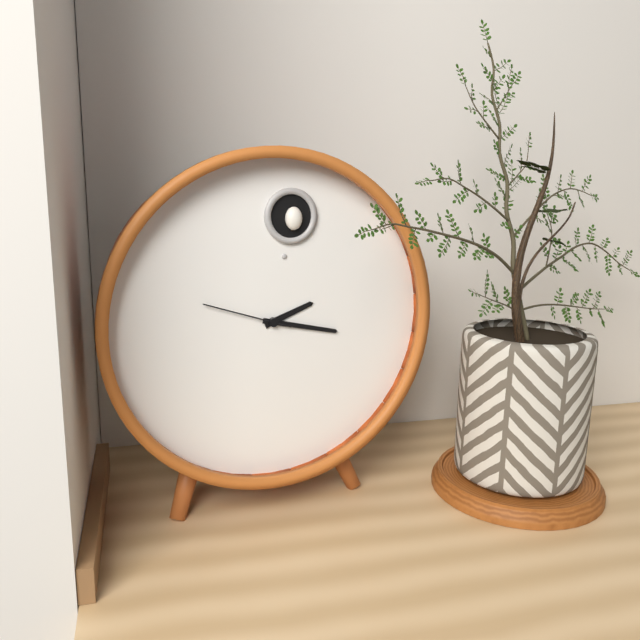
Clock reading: 2.17.48
